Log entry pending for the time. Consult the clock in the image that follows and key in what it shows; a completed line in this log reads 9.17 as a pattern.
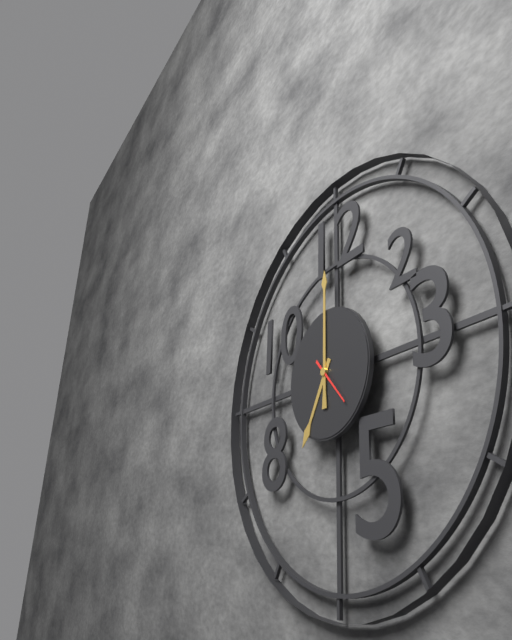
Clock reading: 7.00
